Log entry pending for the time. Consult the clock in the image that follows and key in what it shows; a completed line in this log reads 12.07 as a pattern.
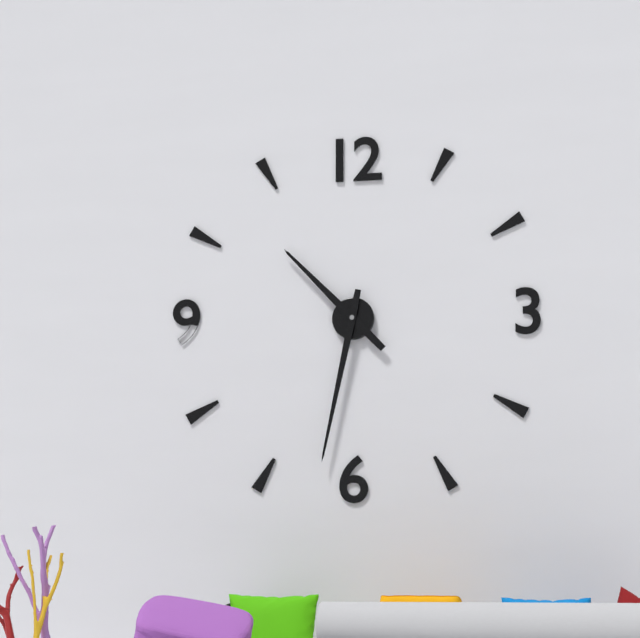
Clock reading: 10.32
